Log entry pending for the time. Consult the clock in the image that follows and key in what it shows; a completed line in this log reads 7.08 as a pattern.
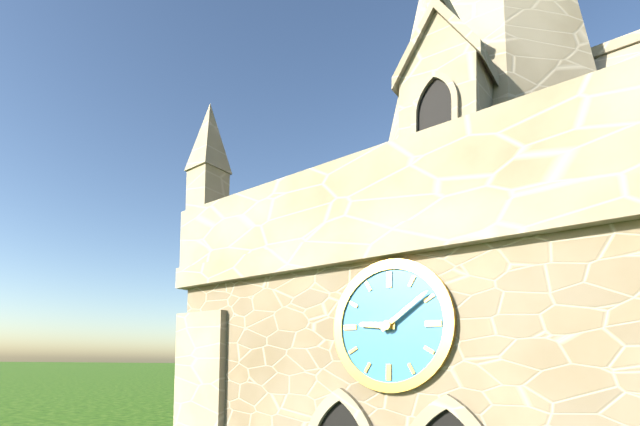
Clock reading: 9.09
